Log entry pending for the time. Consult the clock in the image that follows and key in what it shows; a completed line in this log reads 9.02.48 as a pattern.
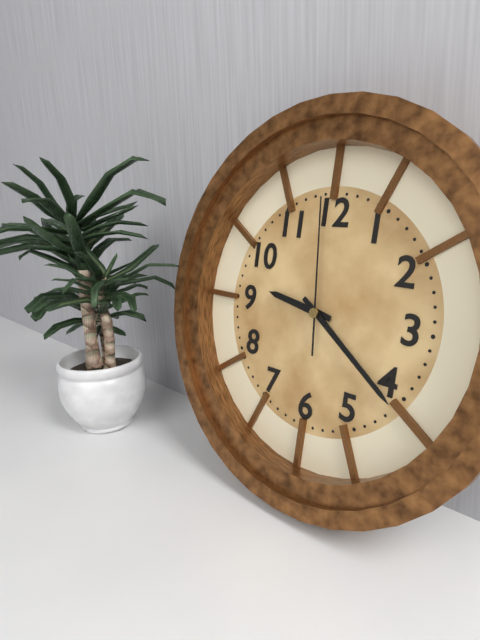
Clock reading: 9.21.59
